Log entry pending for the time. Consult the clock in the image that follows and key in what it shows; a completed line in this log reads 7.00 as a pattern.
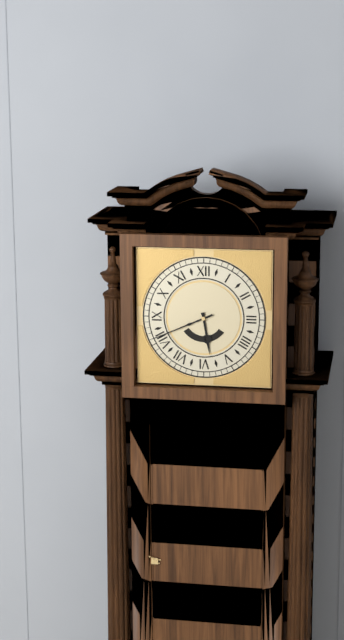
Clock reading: 5.41
